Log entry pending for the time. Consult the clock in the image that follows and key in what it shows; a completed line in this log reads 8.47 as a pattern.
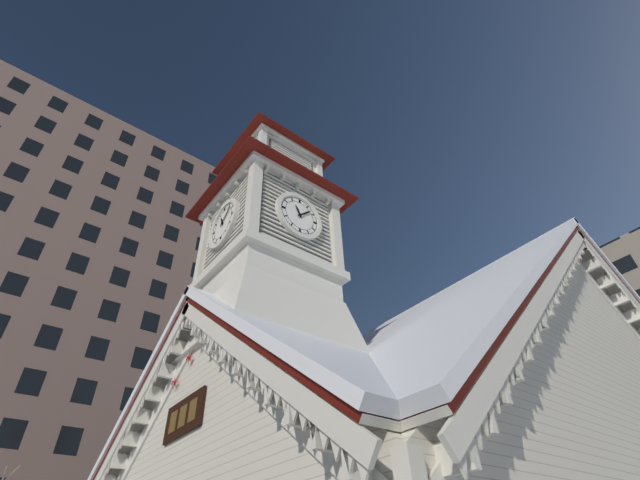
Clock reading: 11.08
